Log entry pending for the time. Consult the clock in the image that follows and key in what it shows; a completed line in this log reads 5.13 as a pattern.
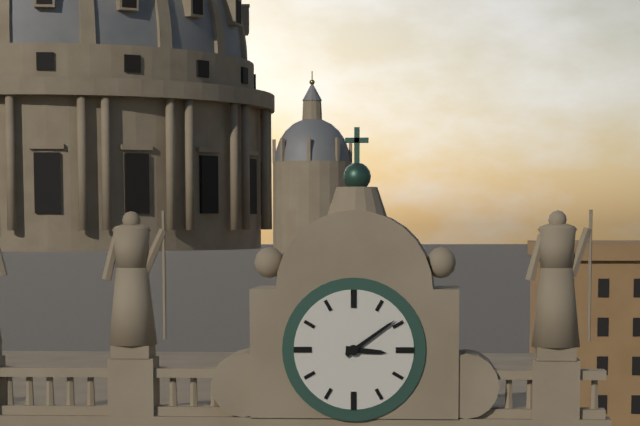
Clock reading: 3.09
